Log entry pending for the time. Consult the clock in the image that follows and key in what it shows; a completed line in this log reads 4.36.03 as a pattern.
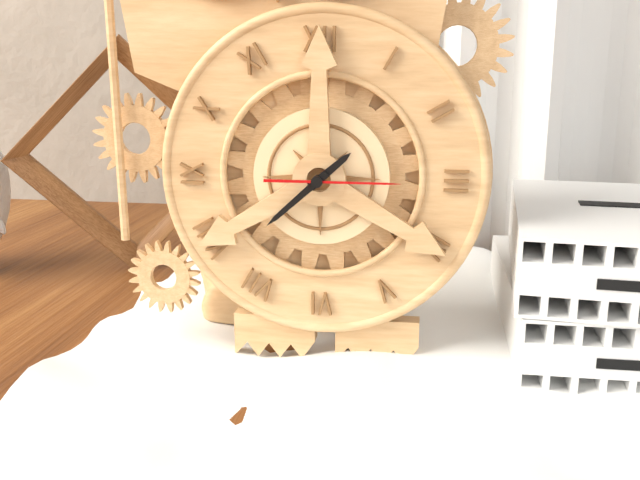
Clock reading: 1.38.15
